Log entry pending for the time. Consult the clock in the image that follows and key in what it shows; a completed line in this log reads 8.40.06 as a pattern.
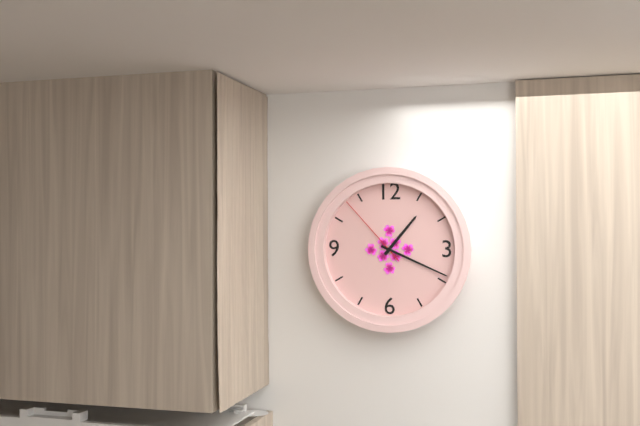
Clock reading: 1.19.53
